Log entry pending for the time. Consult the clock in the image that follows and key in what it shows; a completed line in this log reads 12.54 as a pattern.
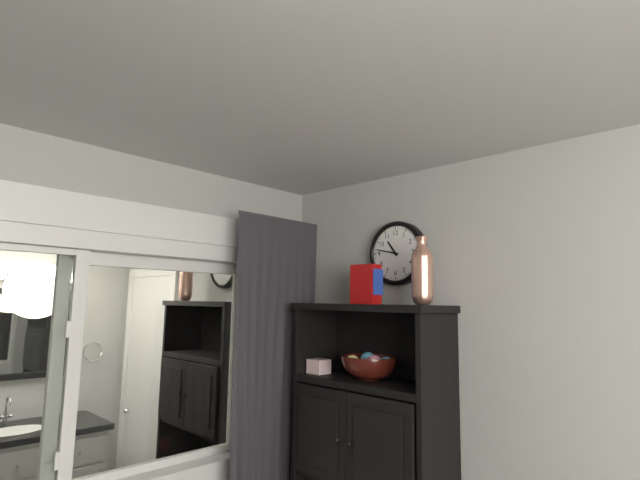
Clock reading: 10.47
